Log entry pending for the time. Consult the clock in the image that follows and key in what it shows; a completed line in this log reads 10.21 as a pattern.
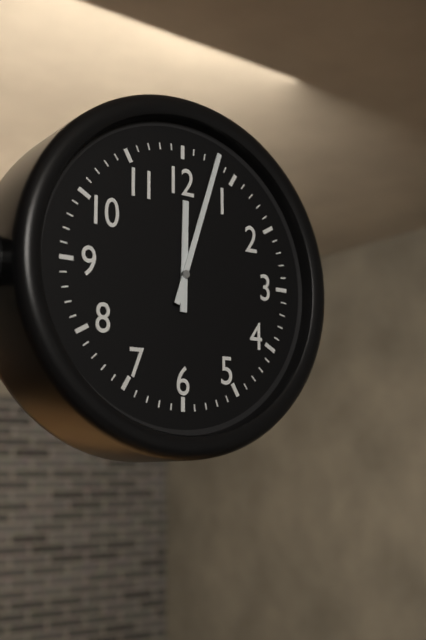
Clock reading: 12.03
